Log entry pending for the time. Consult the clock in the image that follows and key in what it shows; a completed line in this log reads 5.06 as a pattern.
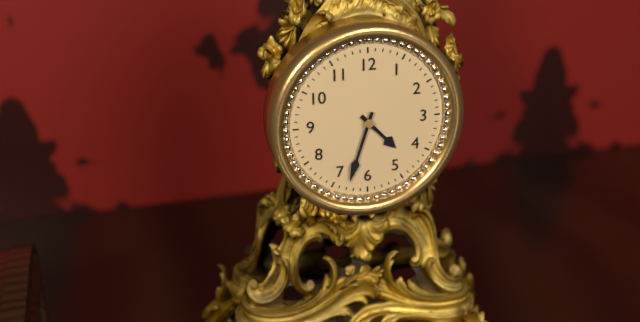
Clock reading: 4.33
